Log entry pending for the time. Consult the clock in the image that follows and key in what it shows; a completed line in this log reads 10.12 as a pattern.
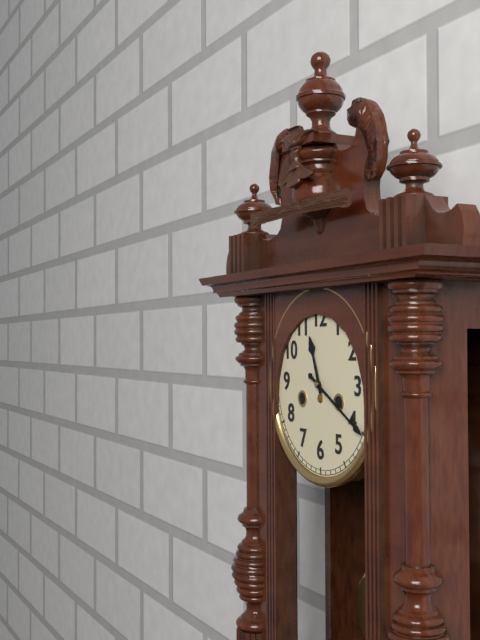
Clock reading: 11.20
